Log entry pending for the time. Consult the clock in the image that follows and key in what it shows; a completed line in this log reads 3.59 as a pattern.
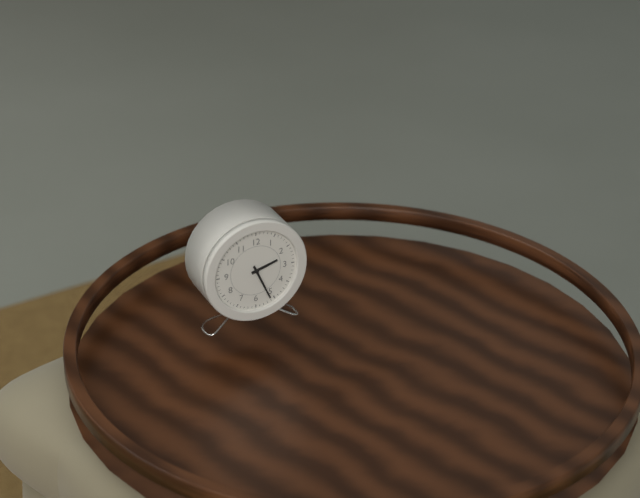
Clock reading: 2.26
